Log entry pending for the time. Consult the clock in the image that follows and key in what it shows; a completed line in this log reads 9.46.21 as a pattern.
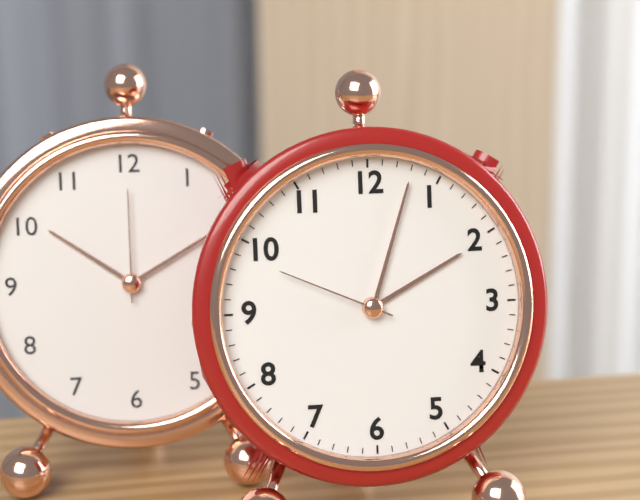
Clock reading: 2.03.49
